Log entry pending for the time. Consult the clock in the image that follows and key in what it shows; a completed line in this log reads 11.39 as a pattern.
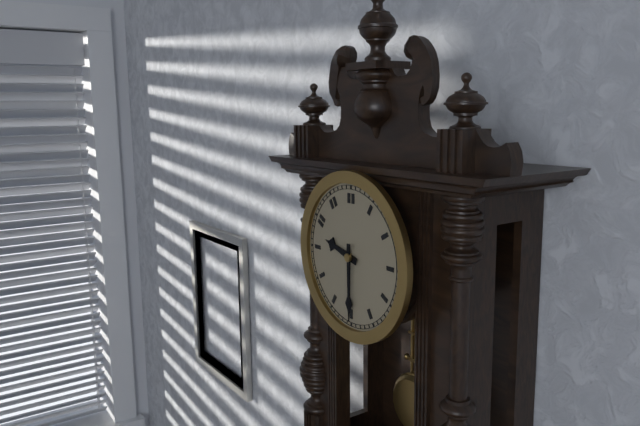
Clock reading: 9.30
